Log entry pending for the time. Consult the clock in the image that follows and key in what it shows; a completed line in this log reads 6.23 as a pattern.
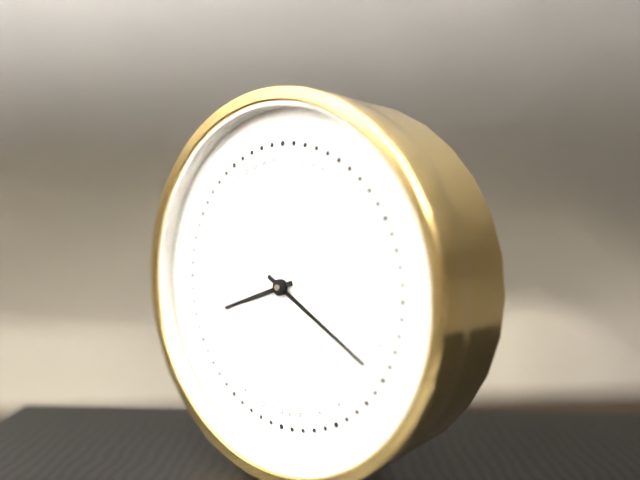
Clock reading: 8.20
